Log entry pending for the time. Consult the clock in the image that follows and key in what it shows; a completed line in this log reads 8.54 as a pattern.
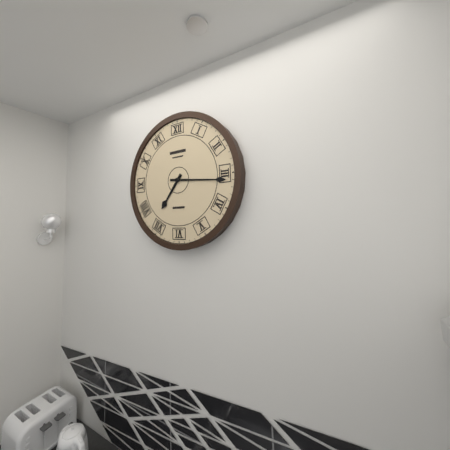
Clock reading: 7.16
